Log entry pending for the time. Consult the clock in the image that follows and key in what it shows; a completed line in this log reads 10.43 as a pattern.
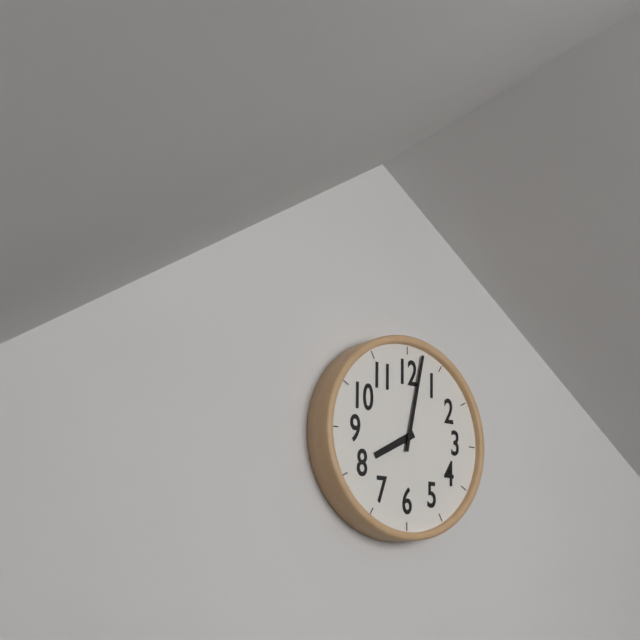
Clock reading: 8.02
